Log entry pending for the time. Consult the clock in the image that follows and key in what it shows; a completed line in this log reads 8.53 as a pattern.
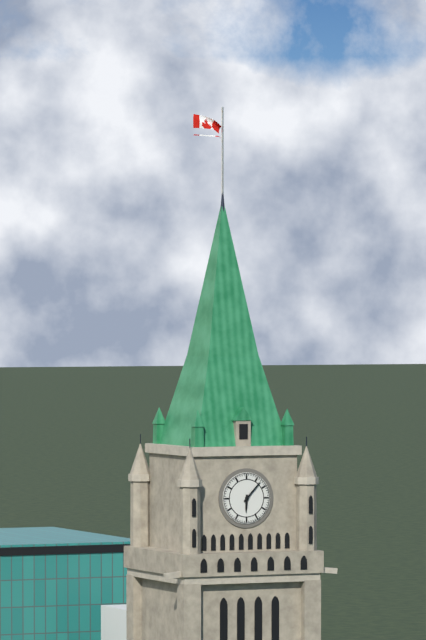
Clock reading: 6.07
